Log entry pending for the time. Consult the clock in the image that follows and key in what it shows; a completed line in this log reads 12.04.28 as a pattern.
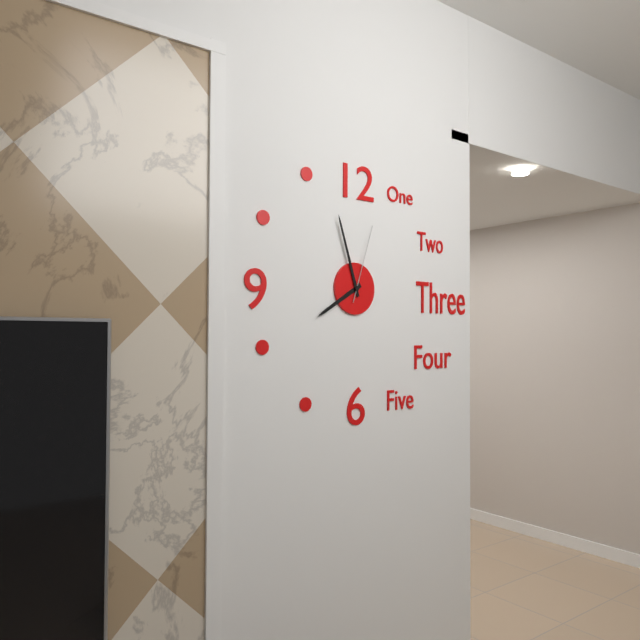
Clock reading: 7.57.03
